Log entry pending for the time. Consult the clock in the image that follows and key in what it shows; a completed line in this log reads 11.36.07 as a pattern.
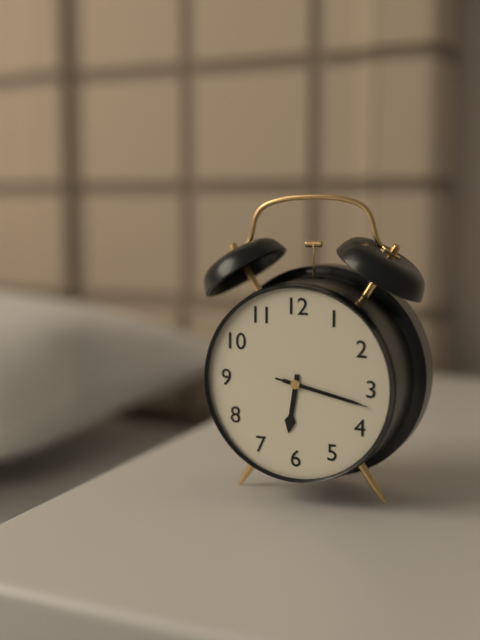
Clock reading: 6.17.17
